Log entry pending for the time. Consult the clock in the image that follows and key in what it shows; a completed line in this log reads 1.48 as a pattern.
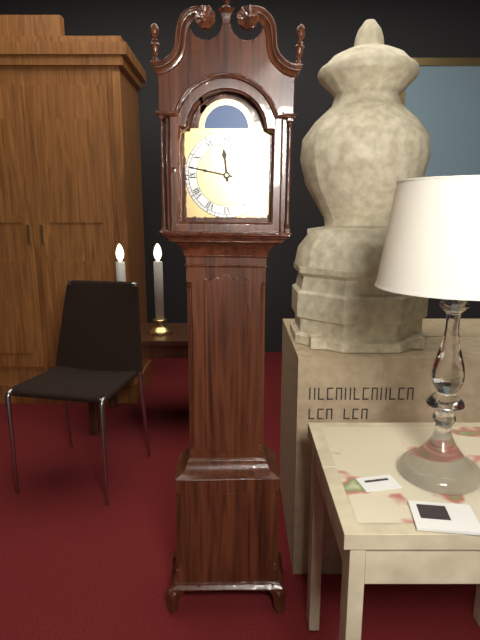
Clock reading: 11.47
